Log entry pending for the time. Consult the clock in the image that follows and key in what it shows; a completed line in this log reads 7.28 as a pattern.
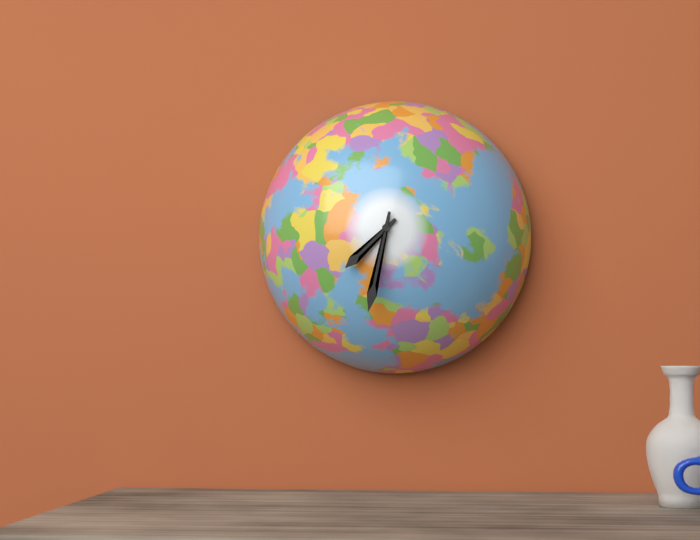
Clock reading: 7.32
